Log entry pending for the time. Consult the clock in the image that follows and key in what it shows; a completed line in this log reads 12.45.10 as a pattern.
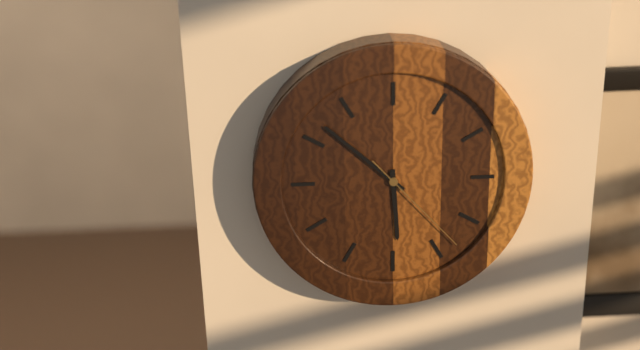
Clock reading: 5.52.23
